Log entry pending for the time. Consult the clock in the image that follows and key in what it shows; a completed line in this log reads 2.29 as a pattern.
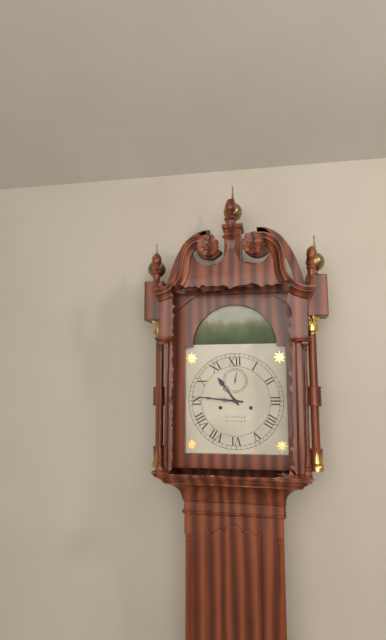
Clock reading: 10.46
